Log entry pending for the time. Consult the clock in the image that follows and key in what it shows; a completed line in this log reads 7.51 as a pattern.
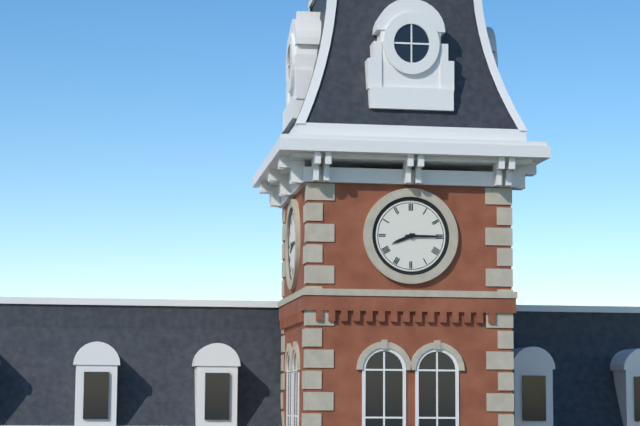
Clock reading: 8.15
